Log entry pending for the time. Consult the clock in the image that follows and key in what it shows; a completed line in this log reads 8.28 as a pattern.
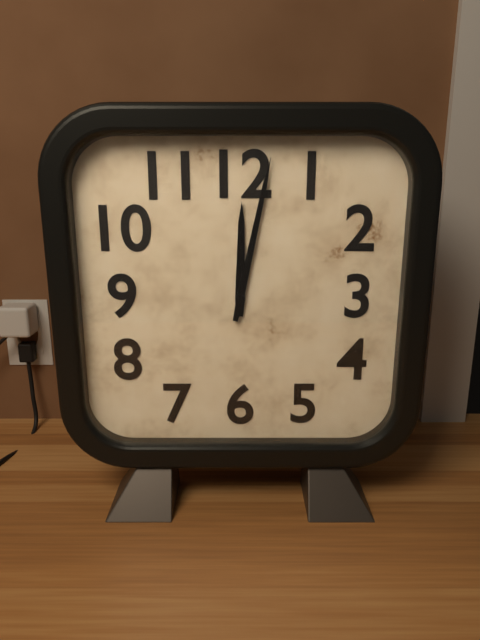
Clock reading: 12.02
